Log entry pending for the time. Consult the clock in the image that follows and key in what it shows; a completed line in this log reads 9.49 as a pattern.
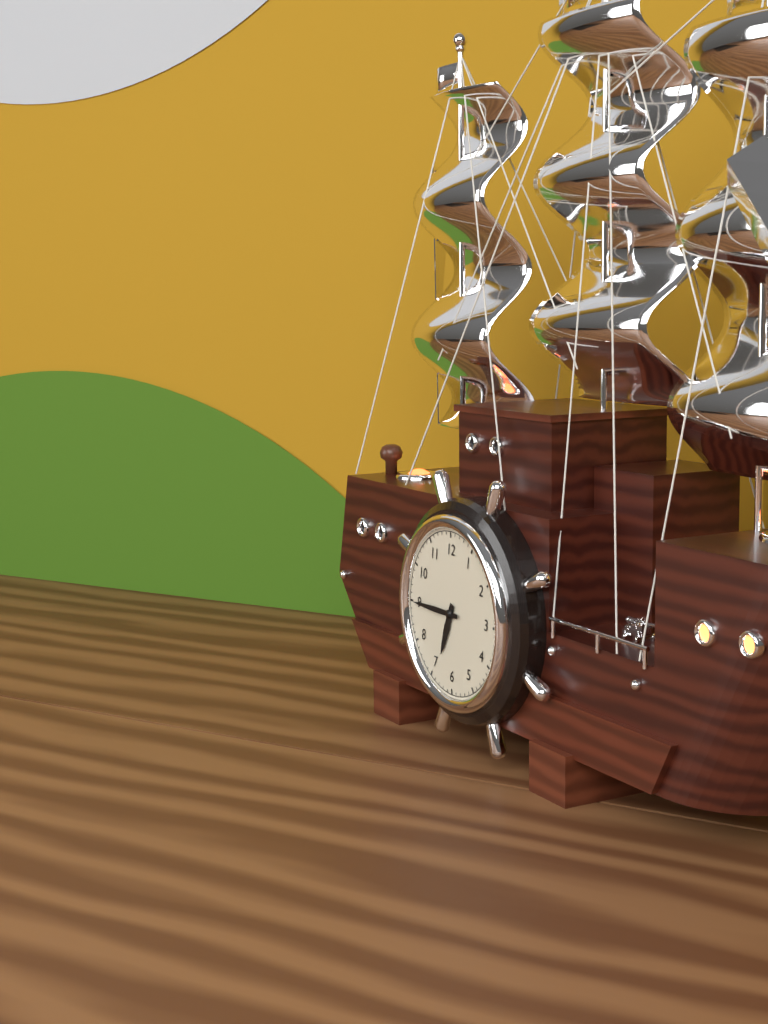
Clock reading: 6.45
